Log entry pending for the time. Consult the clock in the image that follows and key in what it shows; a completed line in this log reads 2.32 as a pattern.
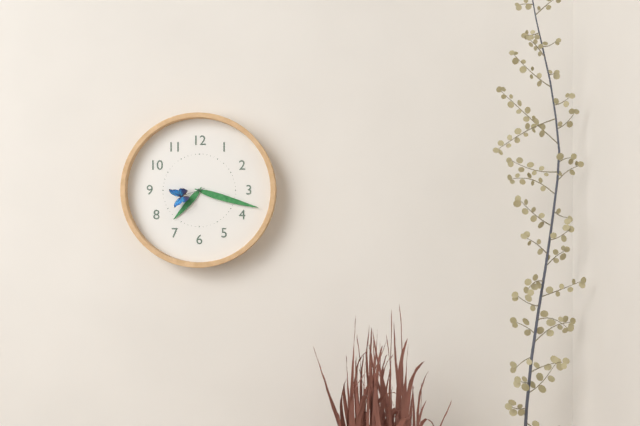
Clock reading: 7.18
